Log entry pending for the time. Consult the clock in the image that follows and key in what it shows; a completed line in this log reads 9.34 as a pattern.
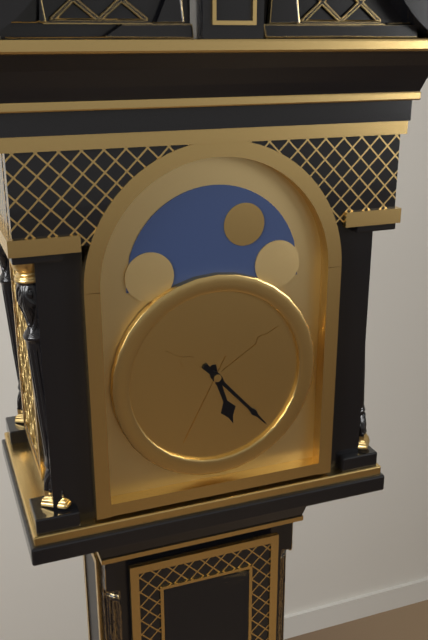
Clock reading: 5.23
